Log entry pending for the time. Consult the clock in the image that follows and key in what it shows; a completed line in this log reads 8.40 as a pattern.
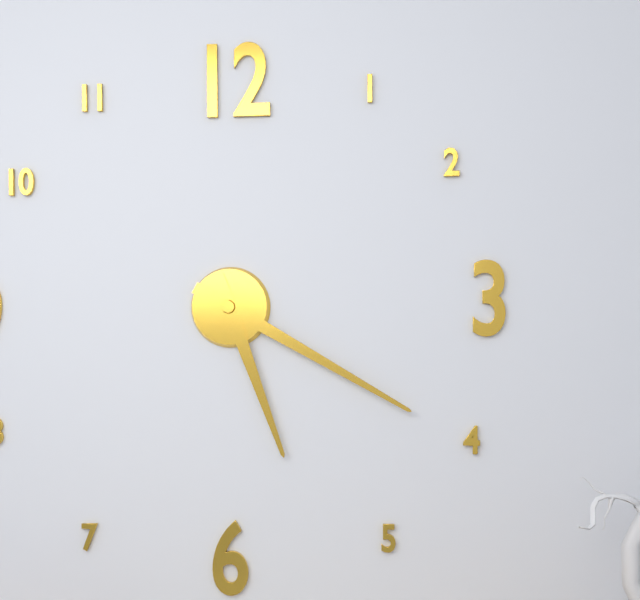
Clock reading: 5.20
